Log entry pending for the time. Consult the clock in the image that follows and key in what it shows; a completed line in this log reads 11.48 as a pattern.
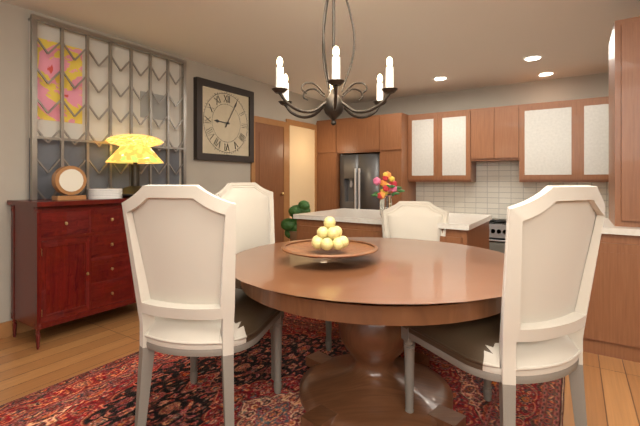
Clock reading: 9.05
